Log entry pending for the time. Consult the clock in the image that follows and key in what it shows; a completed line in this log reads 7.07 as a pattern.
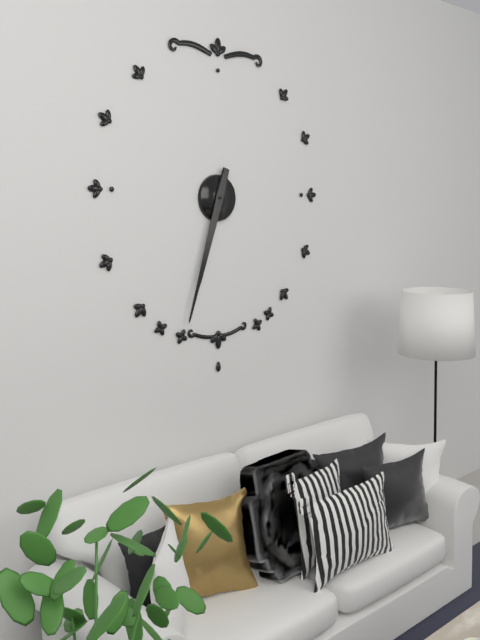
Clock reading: 6.33
